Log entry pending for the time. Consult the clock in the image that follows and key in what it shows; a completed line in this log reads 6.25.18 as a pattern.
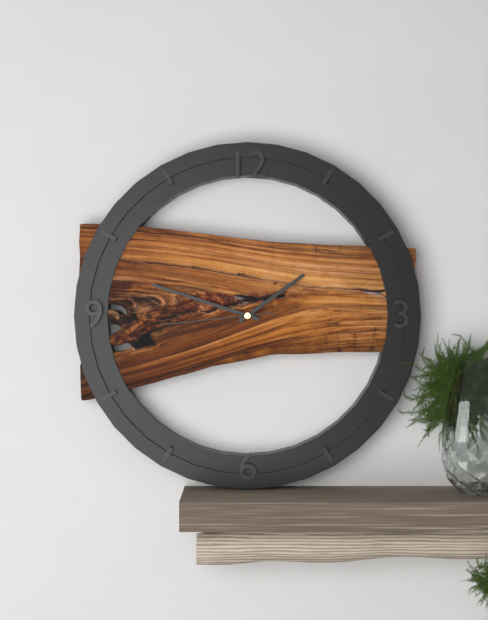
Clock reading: 1.48.44
